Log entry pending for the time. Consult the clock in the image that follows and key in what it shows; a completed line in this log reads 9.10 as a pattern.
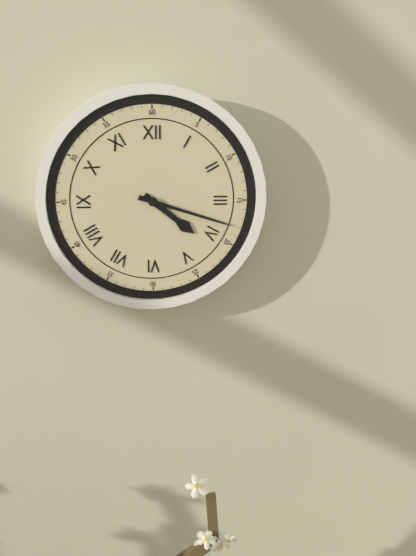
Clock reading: 4.18
